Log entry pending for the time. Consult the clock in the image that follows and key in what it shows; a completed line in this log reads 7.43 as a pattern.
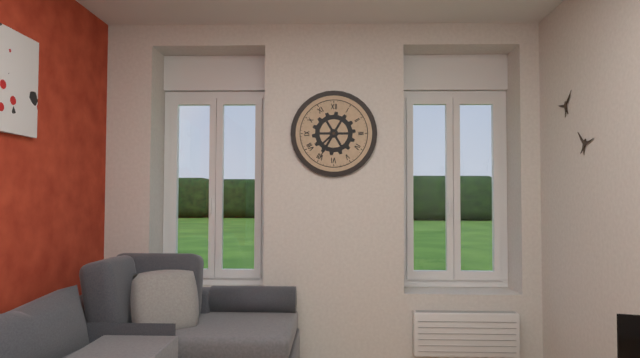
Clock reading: 7.35
